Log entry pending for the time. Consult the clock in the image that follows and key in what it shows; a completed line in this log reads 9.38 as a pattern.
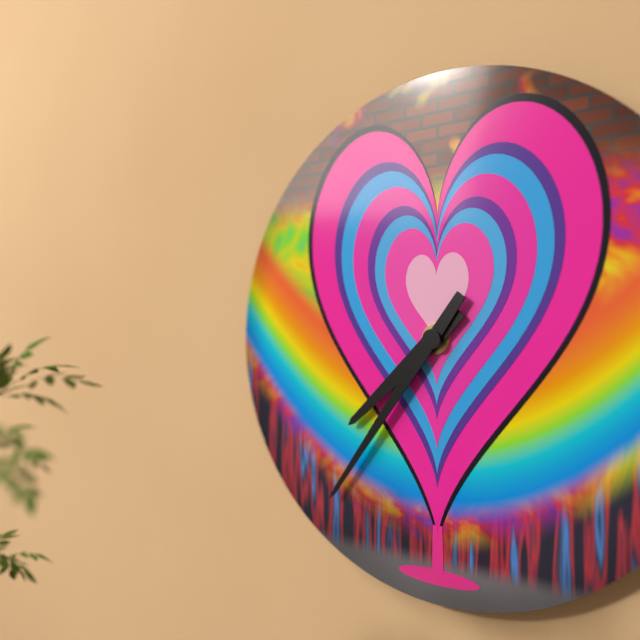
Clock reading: 7.36
